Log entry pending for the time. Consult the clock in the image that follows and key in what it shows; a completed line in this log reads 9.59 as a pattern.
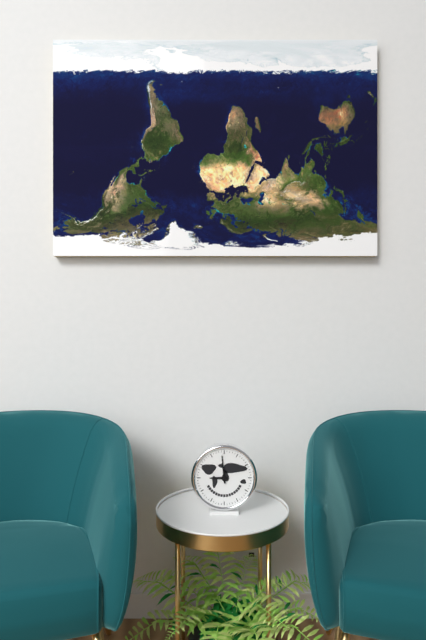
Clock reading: 8.59
